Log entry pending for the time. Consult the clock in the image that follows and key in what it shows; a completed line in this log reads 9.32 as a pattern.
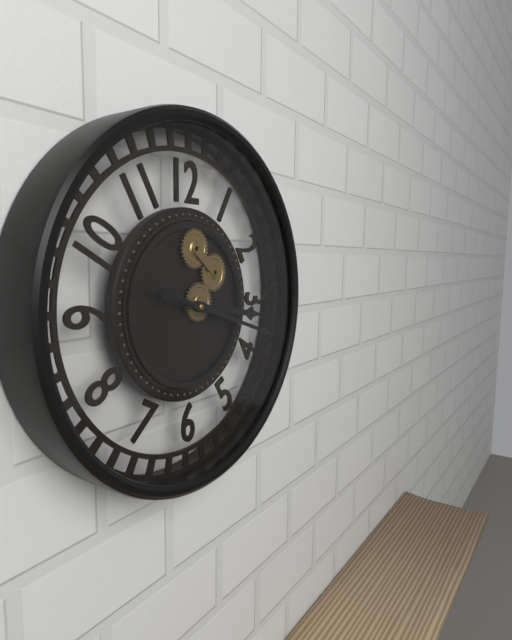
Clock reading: 3.18
